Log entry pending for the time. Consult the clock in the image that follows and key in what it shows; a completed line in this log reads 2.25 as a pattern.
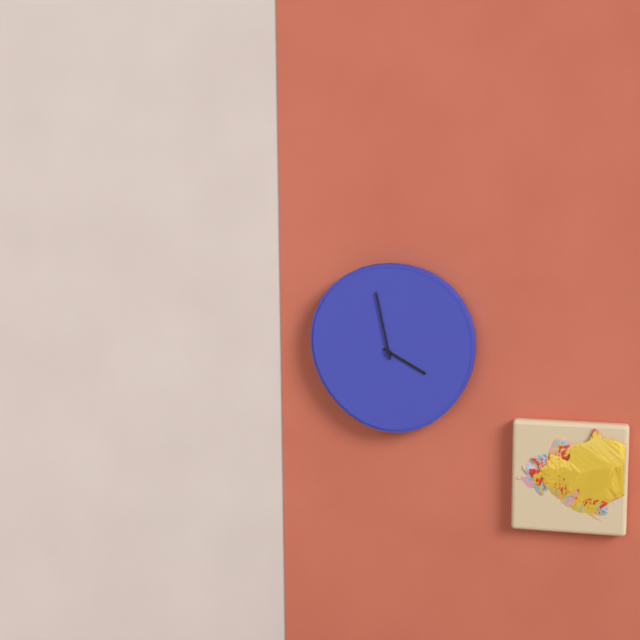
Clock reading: 3.58
